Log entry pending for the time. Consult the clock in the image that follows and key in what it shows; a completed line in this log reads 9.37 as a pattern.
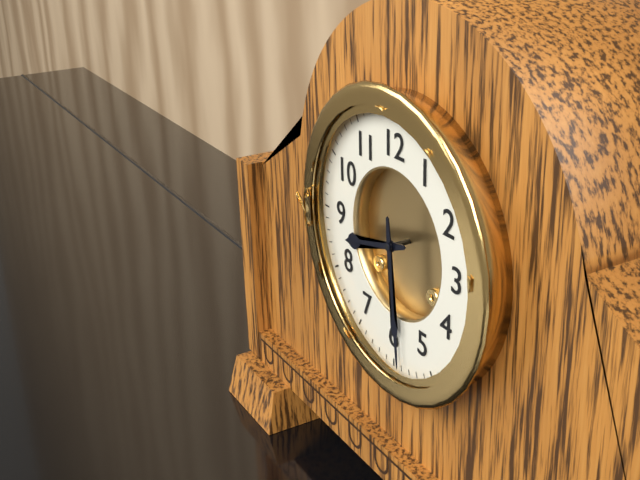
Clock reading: 8.29
